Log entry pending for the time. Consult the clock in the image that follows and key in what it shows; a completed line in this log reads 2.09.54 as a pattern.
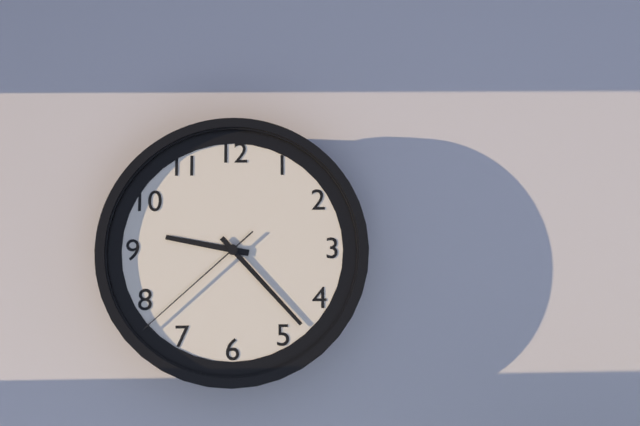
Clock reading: 9.23.38
